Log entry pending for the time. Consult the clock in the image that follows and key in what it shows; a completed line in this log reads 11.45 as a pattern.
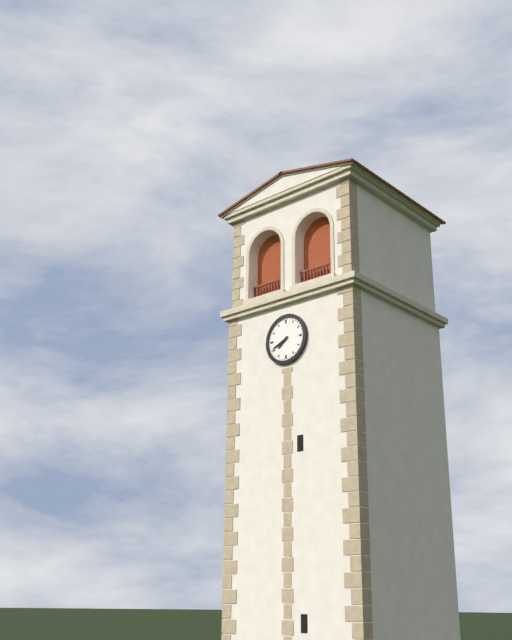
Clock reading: 7.41
